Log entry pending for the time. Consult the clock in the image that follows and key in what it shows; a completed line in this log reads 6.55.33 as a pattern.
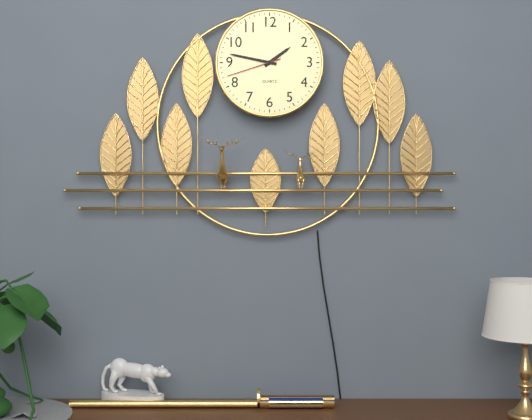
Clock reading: 1.47.42
